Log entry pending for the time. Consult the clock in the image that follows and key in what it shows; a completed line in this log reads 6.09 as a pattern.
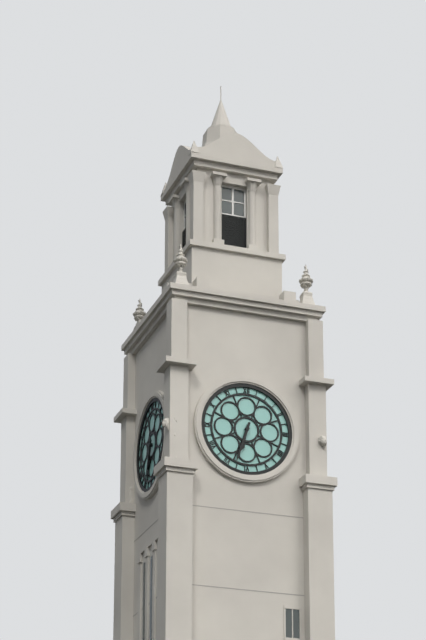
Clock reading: 6.33
